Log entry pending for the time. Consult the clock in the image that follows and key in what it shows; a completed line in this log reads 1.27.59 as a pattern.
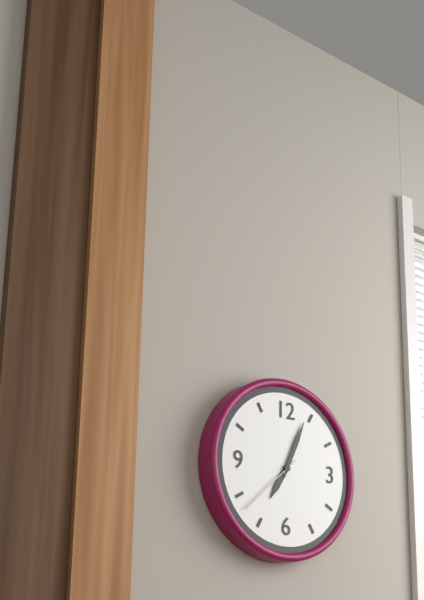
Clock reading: 7.04.38
